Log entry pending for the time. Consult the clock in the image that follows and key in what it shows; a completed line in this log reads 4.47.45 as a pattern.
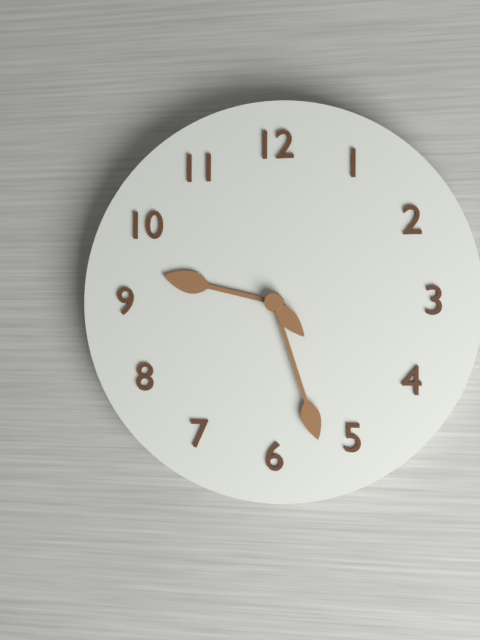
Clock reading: 9.27.23
